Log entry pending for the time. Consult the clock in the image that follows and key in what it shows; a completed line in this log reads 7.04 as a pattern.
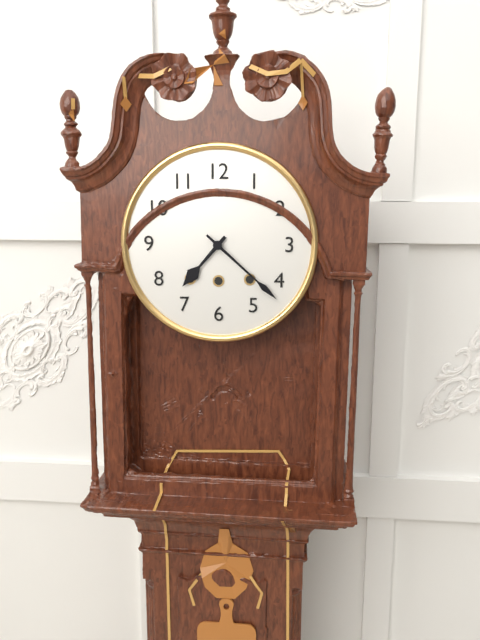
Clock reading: 7.22
